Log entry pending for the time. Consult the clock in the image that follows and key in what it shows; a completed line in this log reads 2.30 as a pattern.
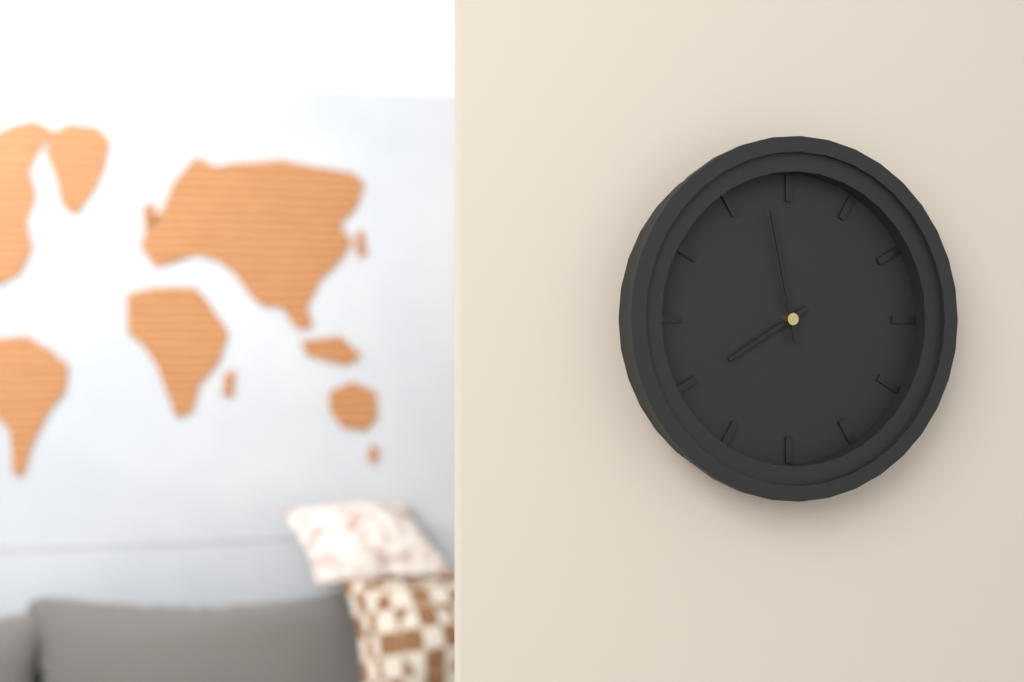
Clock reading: 7.58
